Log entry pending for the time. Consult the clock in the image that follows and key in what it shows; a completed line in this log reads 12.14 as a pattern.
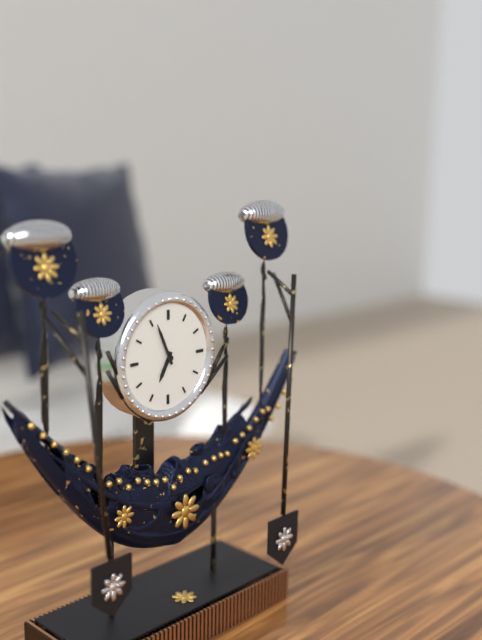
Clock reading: 6.56
